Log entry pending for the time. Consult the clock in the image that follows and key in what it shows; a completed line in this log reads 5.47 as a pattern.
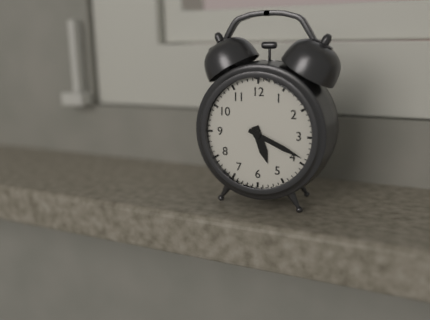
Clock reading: 5.19
